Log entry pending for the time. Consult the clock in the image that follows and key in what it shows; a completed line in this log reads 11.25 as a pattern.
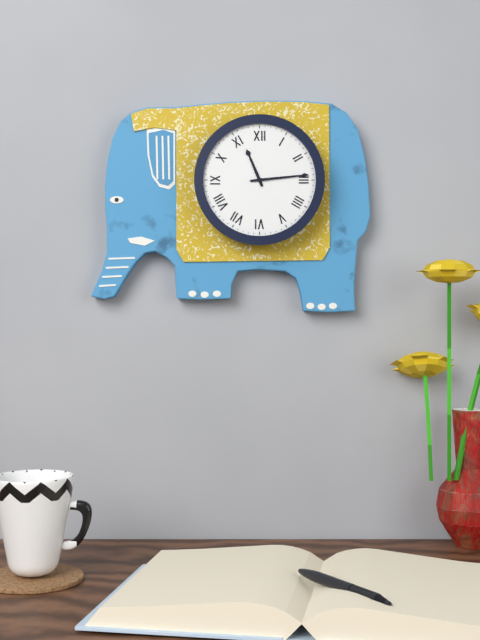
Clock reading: 11.14
